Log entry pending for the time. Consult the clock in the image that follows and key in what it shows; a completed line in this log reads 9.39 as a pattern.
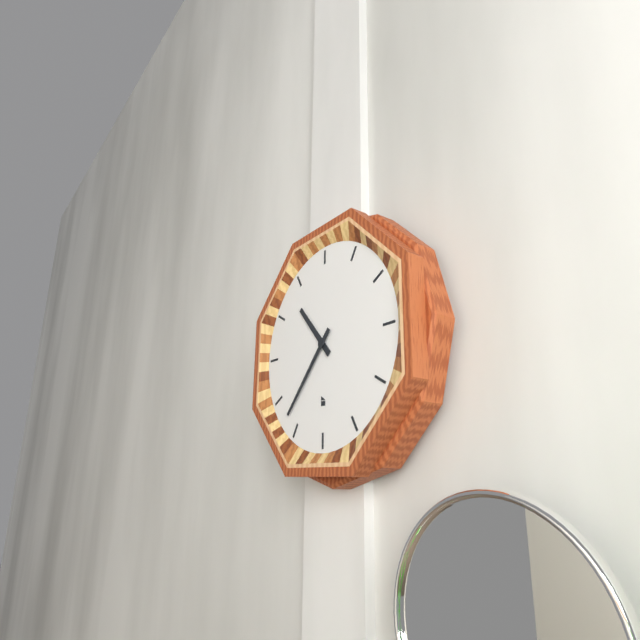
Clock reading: 10.37
